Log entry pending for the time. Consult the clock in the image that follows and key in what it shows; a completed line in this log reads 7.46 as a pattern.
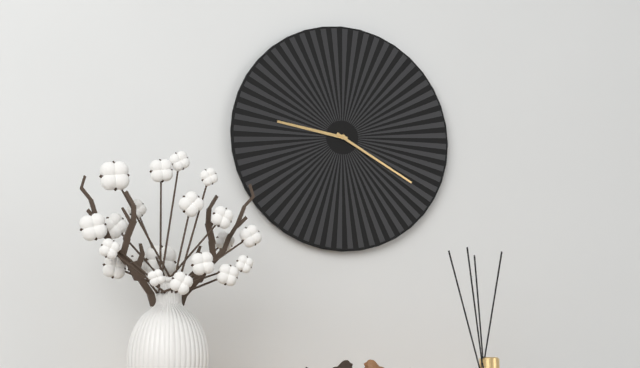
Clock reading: 9.20
